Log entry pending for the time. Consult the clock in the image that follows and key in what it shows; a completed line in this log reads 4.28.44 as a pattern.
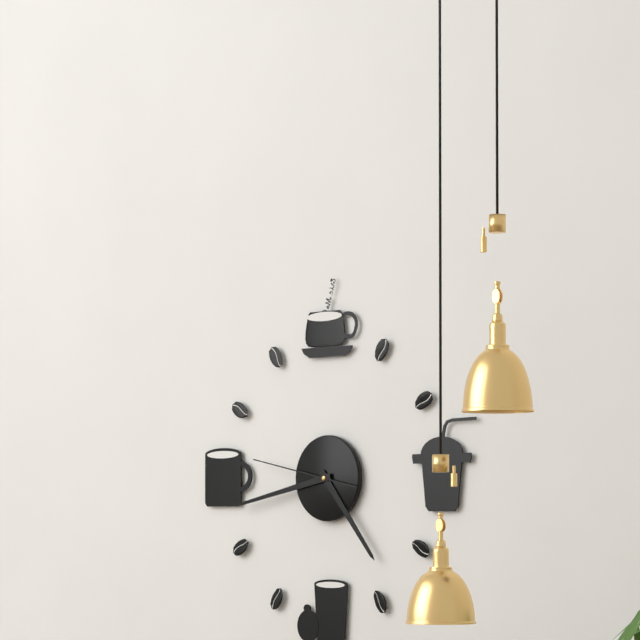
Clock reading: 4.43.47
